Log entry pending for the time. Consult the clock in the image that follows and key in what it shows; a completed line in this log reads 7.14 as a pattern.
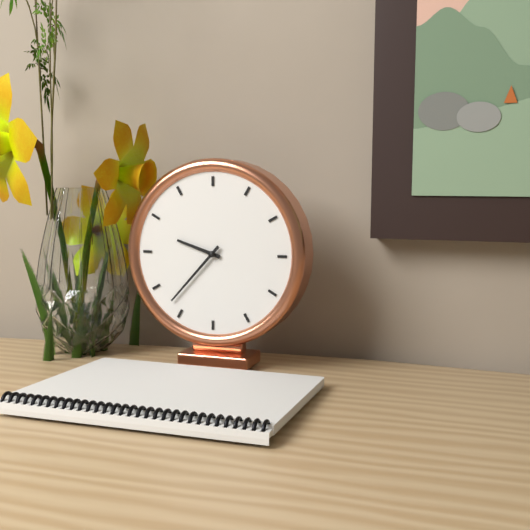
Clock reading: 9.37
